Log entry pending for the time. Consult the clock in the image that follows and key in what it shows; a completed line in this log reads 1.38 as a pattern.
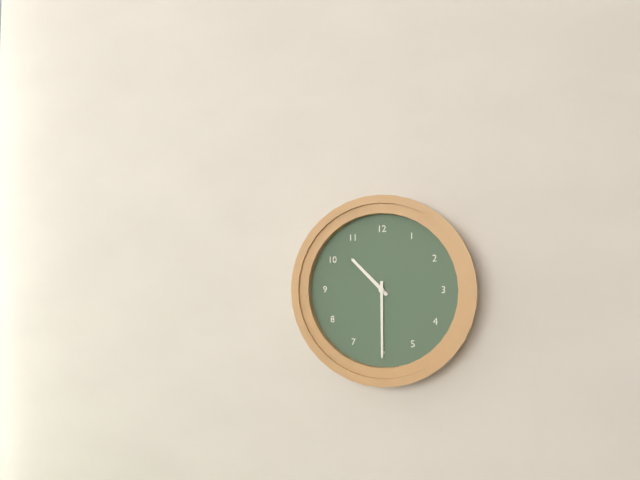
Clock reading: 10.30
